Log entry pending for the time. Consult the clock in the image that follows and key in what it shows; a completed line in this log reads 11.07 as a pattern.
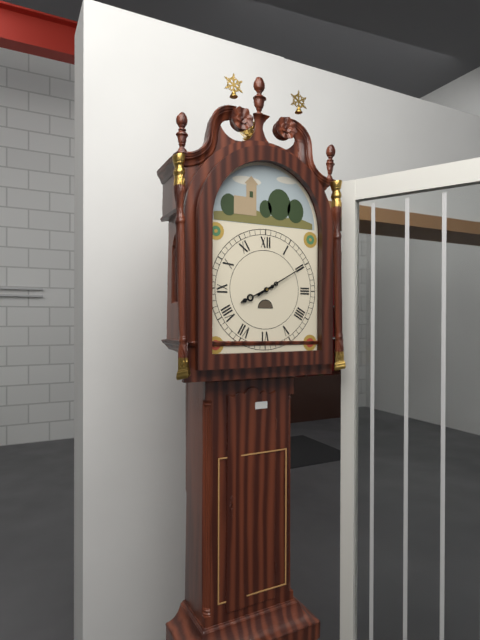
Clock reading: 8.10
